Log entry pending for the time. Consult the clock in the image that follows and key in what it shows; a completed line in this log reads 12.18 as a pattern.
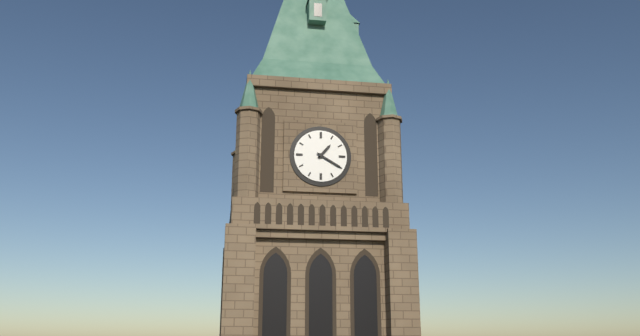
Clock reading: 1.20
